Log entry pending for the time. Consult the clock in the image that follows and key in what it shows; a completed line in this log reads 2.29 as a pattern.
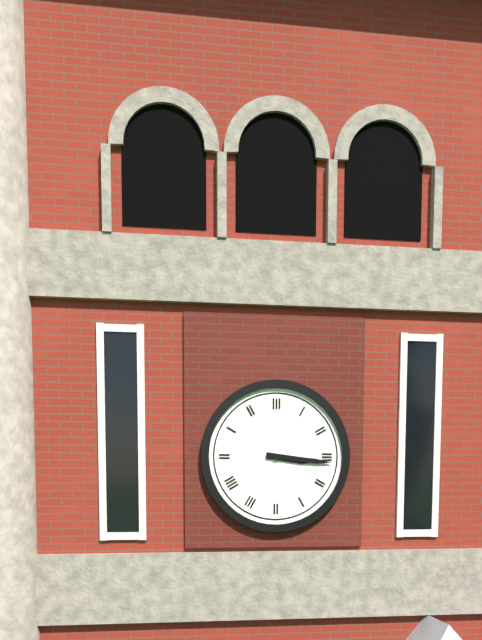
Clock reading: 3.16
